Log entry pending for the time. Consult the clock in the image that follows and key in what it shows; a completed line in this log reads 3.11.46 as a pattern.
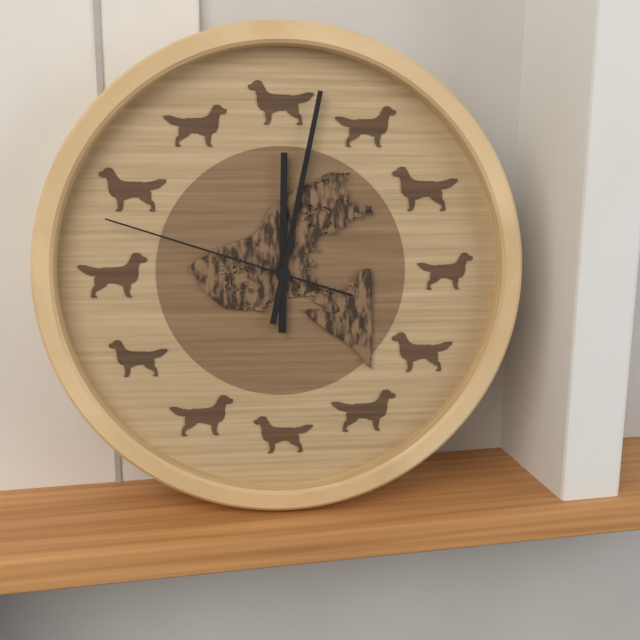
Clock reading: 12.02.48
